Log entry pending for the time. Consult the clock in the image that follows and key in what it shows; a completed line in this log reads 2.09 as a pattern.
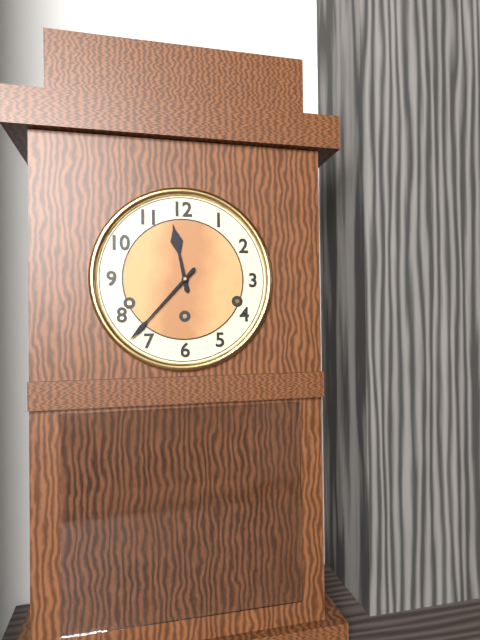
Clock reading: 11.37
